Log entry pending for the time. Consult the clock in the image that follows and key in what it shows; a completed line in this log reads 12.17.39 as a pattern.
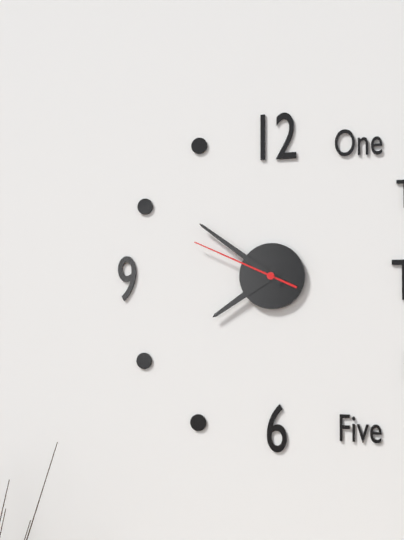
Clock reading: 7.51.49
